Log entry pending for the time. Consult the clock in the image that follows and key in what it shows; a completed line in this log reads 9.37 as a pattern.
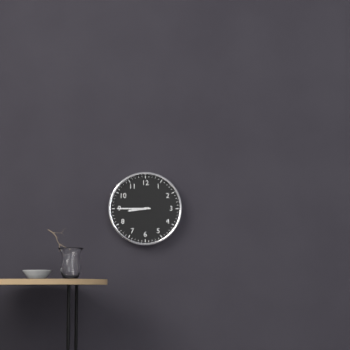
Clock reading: 8.45
